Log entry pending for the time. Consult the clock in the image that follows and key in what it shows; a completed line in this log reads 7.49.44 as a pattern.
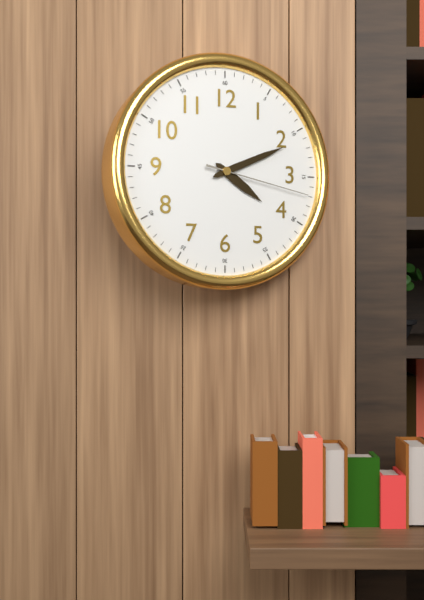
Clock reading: 4.11.17
